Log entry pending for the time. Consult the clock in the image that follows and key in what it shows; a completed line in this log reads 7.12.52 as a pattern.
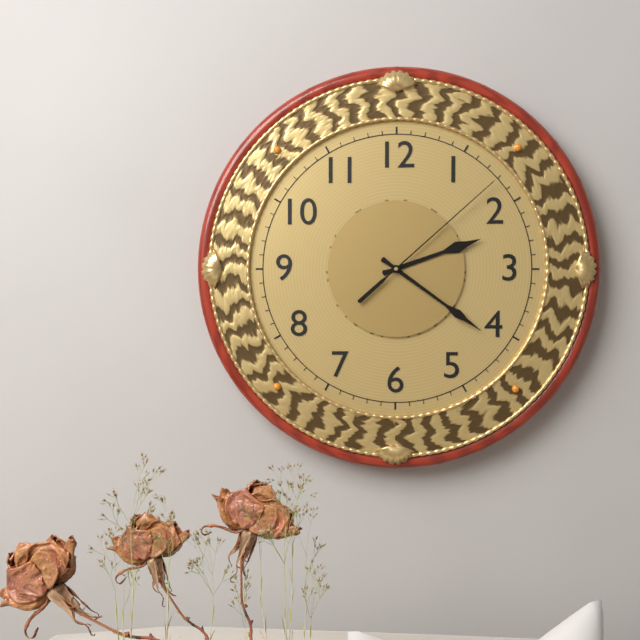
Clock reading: 2.21.08
